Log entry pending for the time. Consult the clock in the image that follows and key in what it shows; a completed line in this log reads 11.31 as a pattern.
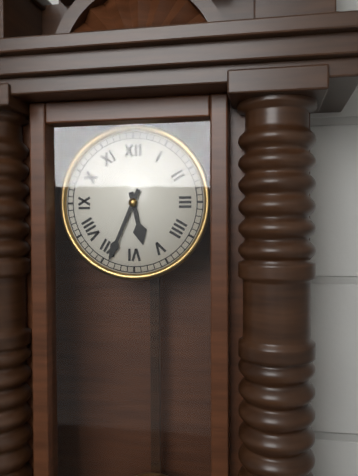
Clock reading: 5.34
